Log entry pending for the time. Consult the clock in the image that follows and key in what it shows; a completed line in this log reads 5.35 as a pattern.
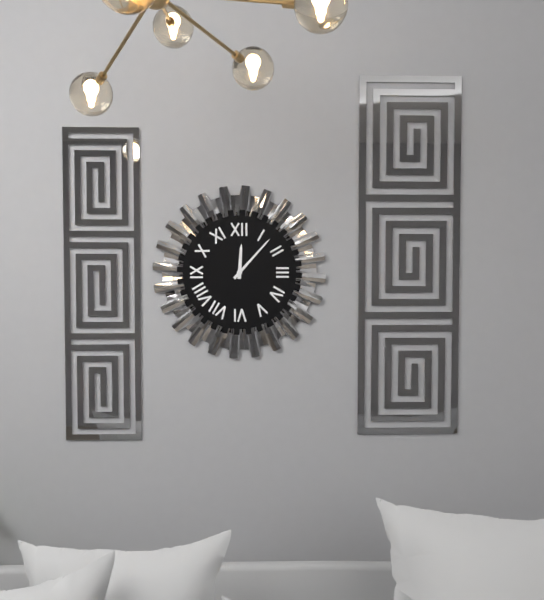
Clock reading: 12.07
